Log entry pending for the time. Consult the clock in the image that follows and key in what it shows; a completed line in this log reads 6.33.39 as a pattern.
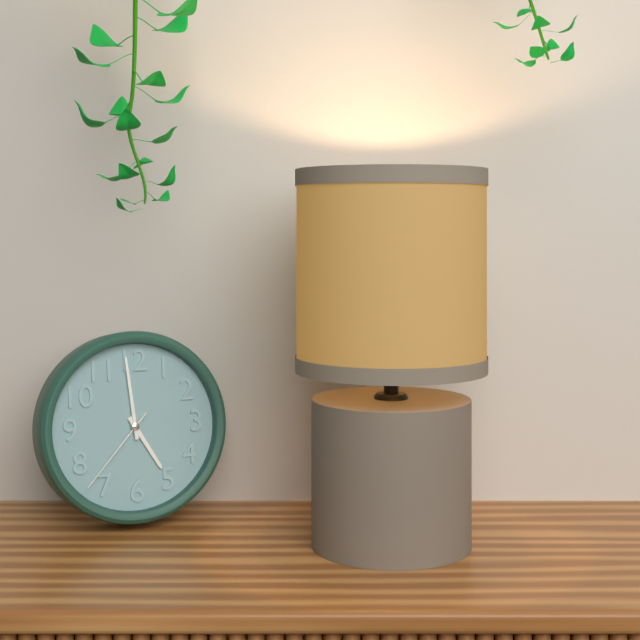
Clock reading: 4.59.37
